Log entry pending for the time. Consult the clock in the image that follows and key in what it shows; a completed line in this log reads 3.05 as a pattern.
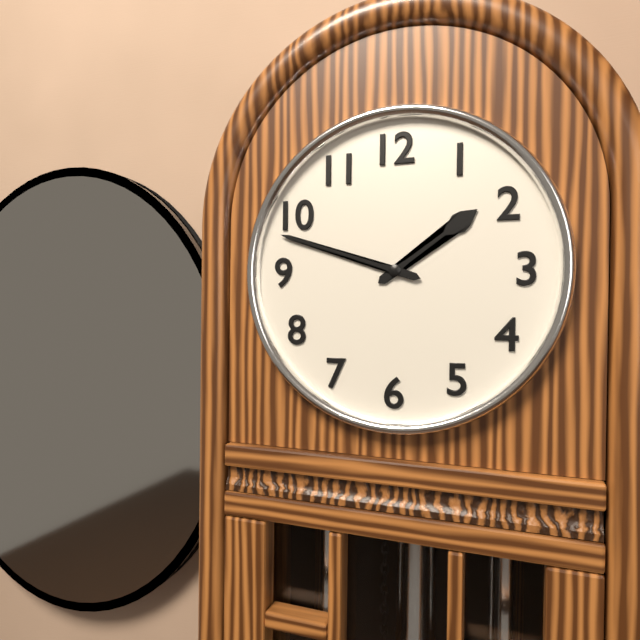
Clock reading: 1.48
